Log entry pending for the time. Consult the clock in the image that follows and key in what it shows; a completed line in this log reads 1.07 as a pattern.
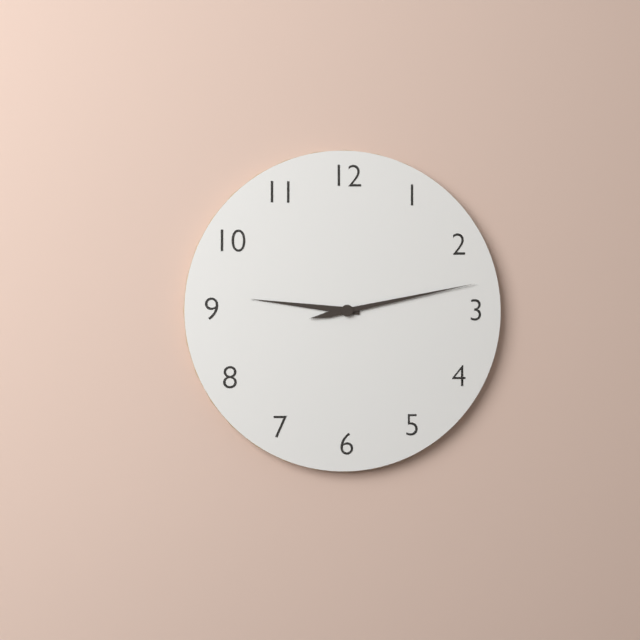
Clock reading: 9.13
